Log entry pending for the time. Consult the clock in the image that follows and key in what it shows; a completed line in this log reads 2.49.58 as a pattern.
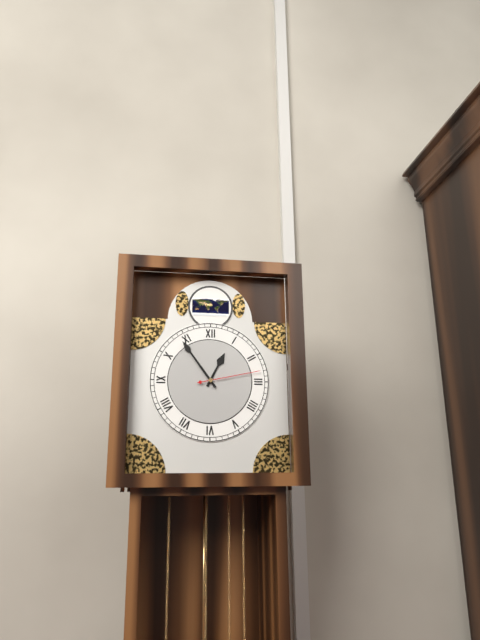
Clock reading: 12.54.13
